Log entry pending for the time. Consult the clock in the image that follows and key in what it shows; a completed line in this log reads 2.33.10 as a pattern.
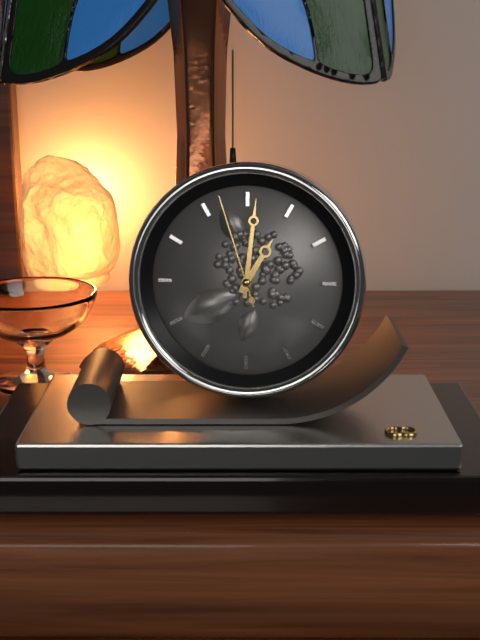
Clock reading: 1.01.57
